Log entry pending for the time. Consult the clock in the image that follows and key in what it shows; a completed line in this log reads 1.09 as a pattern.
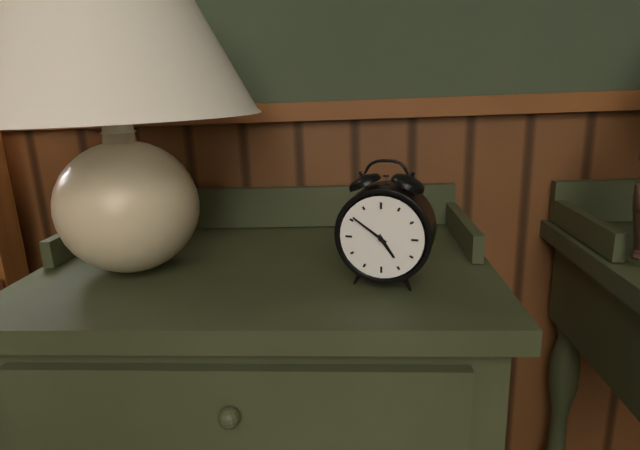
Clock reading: 4.51
